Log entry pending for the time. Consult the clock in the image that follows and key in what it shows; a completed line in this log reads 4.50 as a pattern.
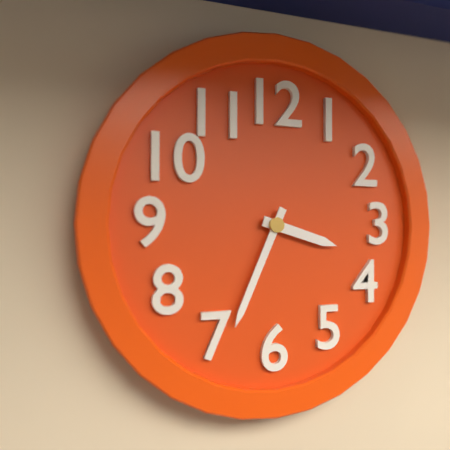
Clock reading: 3.34
